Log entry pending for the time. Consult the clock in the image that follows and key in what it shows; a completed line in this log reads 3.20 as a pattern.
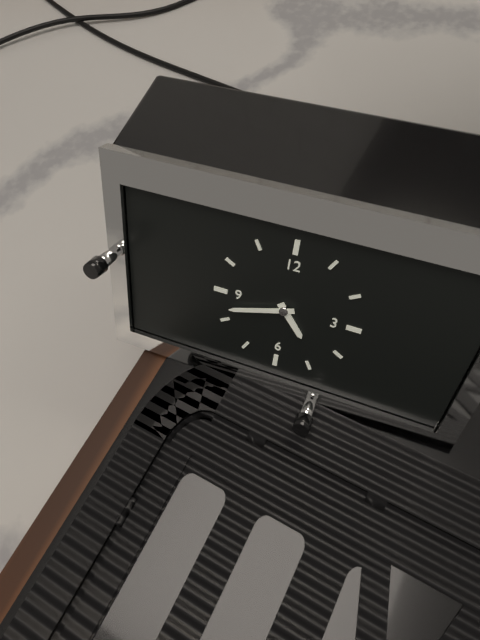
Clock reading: 4.42
